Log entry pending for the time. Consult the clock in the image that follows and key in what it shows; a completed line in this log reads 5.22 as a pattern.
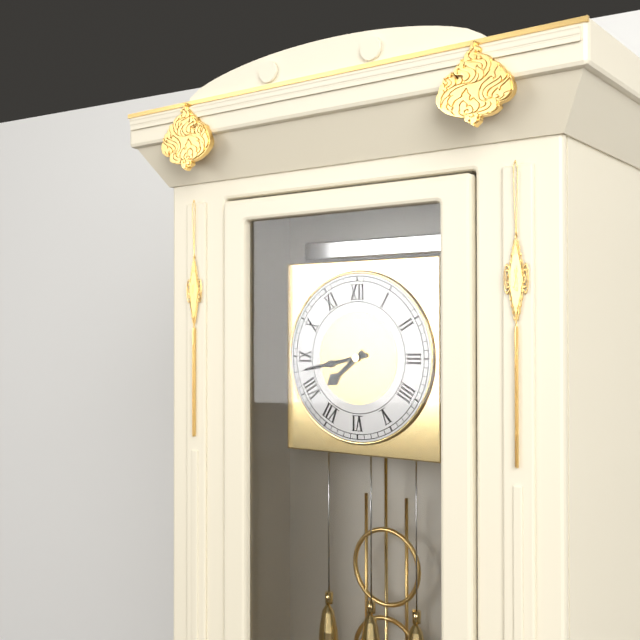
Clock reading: 7.43
